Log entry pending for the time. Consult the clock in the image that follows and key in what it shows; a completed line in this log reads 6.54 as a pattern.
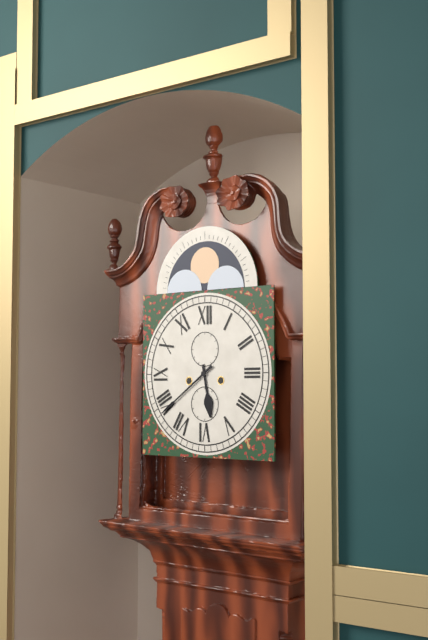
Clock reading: 5.39
